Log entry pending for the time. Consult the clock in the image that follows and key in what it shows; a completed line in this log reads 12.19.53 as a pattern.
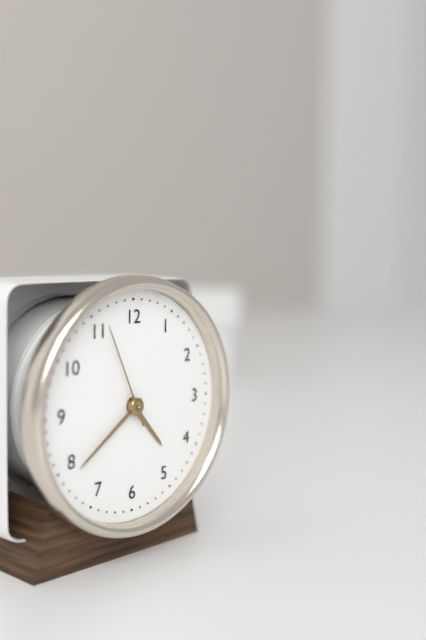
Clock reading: 4.39.56
